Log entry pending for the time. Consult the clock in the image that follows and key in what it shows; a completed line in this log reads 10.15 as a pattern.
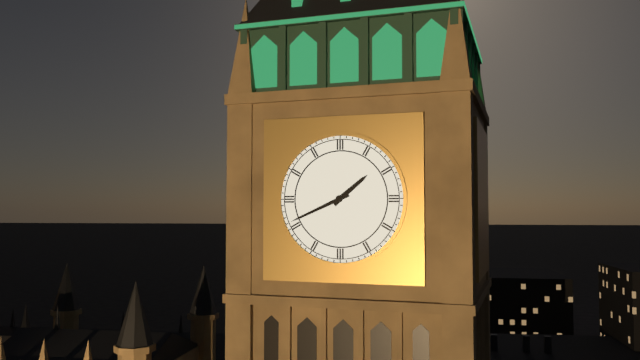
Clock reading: 1.41
